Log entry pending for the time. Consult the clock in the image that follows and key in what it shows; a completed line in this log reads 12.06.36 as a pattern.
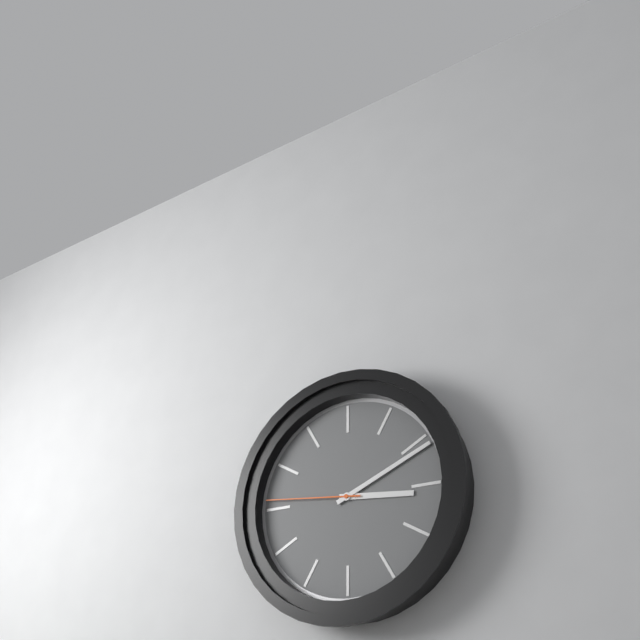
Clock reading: 3.11.46
